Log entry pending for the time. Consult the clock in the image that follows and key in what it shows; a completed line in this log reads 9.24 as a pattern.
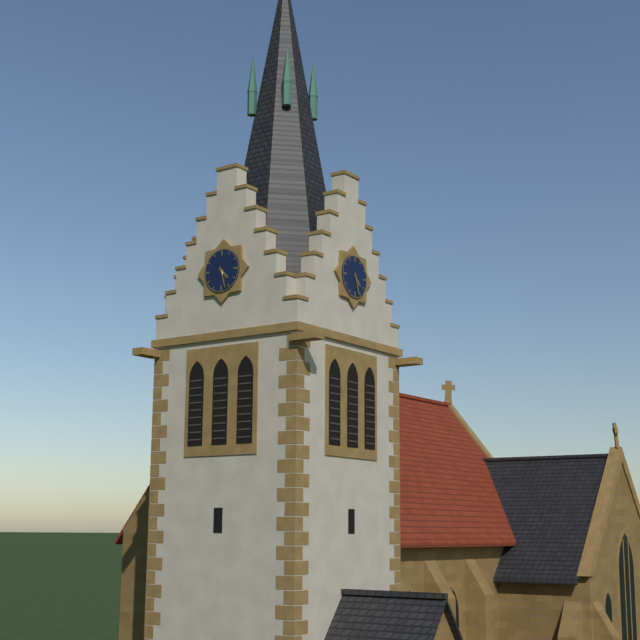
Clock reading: 4.27
